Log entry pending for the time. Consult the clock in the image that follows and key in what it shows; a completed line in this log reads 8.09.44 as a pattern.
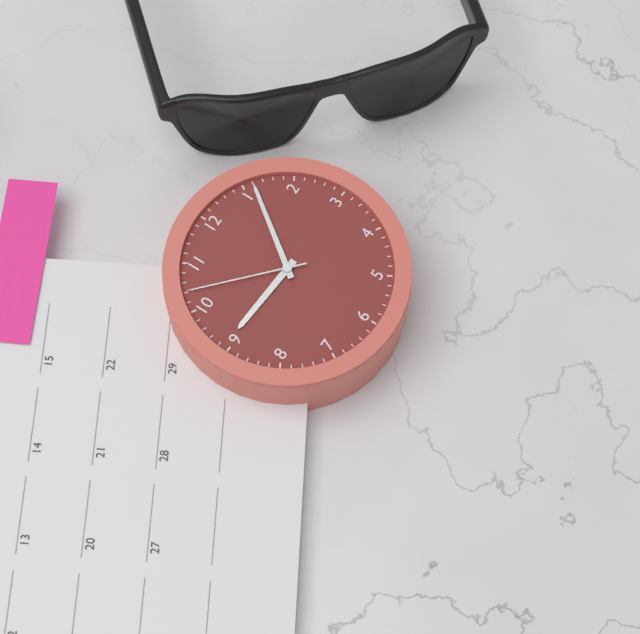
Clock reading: 9.06.52
